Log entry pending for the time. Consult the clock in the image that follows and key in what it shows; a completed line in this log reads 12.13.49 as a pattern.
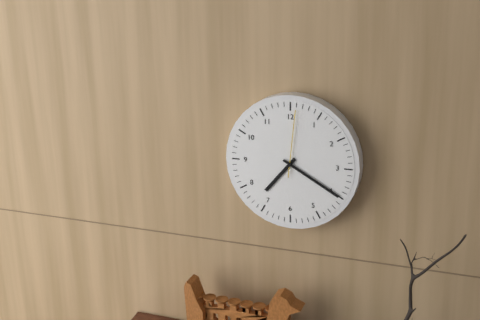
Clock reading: 7.20.01
